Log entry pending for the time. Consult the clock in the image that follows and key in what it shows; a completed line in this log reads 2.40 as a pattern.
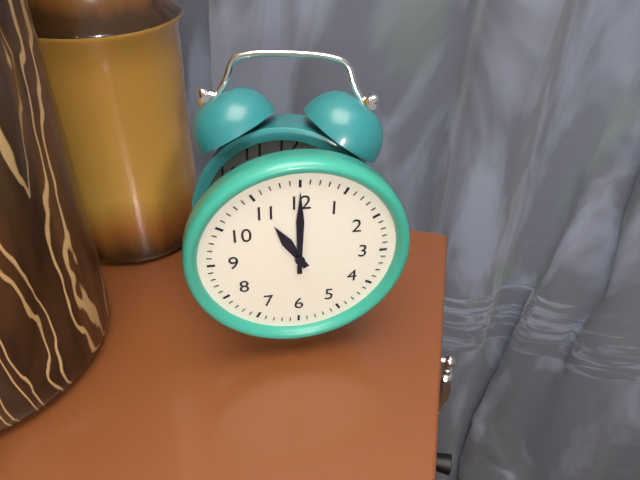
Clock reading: 11.00
